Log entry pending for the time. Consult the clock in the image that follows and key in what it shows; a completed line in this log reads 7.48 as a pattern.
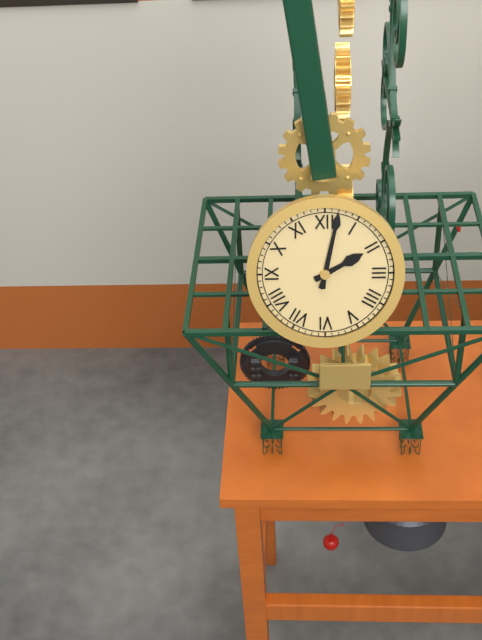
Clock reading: 2.02
